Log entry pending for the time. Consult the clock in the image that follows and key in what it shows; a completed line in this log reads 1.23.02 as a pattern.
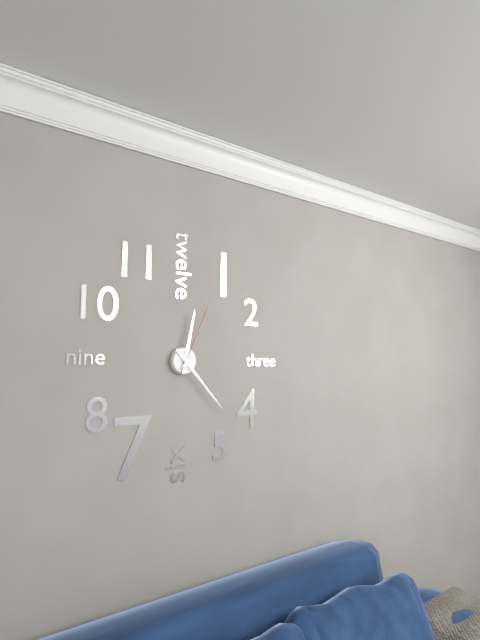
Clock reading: 12.23.04
